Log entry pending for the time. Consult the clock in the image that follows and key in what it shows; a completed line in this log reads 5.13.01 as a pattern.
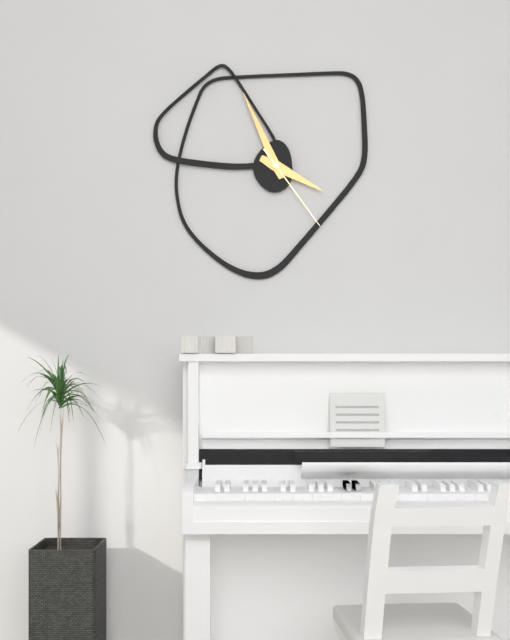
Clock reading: 3.56.24
